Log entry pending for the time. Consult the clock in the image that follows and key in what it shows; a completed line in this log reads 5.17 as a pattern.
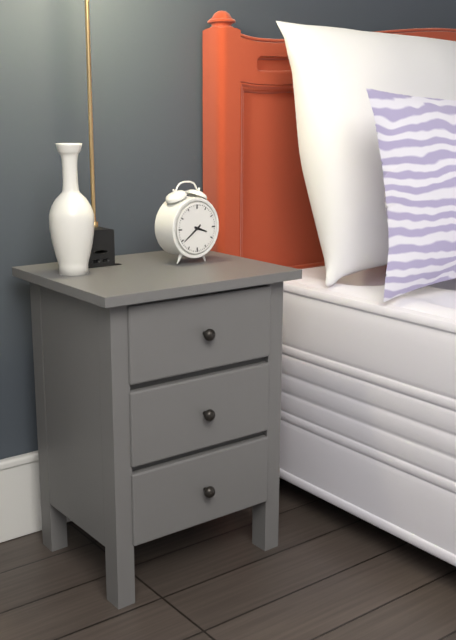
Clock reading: 3.39
